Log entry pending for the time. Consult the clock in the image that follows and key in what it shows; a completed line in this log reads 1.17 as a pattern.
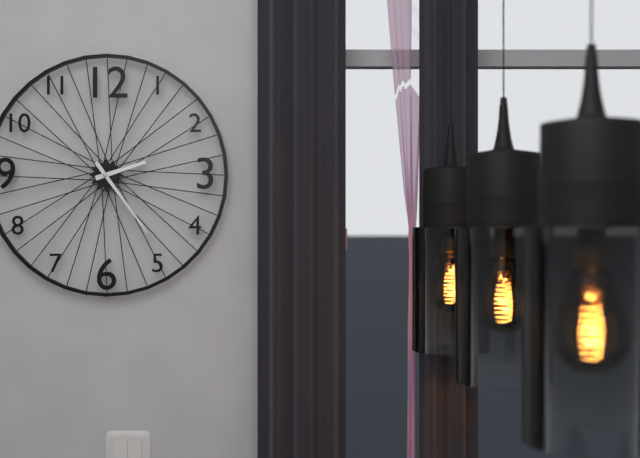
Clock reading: 2.24
